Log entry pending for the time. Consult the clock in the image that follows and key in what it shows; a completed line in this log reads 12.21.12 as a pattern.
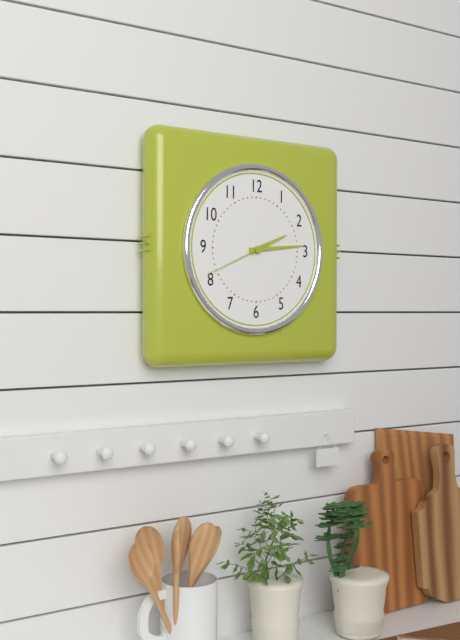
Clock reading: 2.14.41
